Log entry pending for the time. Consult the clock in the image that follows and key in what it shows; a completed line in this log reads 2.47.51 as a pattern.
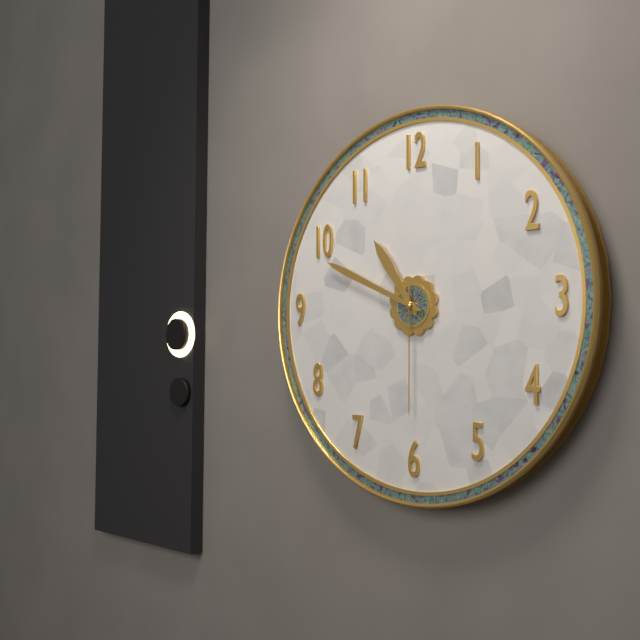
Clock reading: 10.49.30
